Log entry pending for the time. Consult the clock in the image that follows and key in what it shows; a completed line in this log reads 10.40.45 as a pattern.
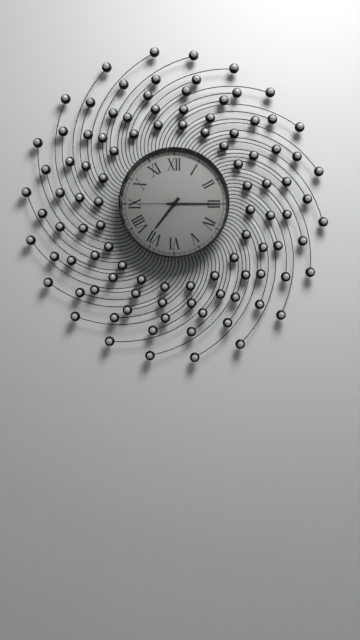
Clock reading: 7.15.45
